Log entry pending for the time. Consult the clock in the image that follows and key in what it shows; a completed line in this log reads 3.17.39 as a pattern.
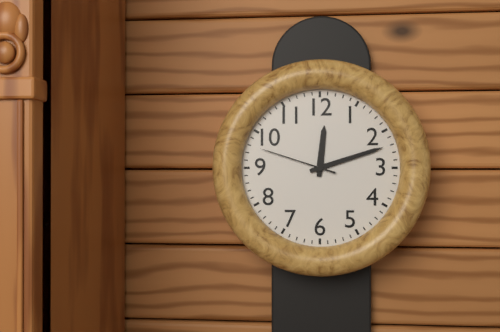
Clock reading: 12.12.48
